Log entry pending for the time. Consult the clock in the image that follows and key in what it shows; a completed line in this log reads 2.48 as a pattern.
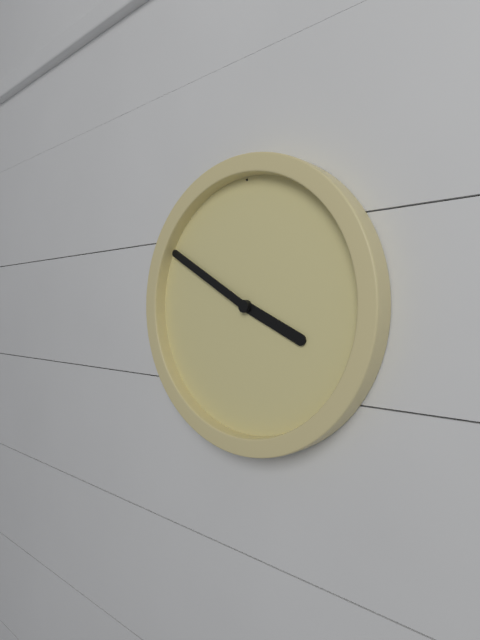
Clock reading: 3.50
